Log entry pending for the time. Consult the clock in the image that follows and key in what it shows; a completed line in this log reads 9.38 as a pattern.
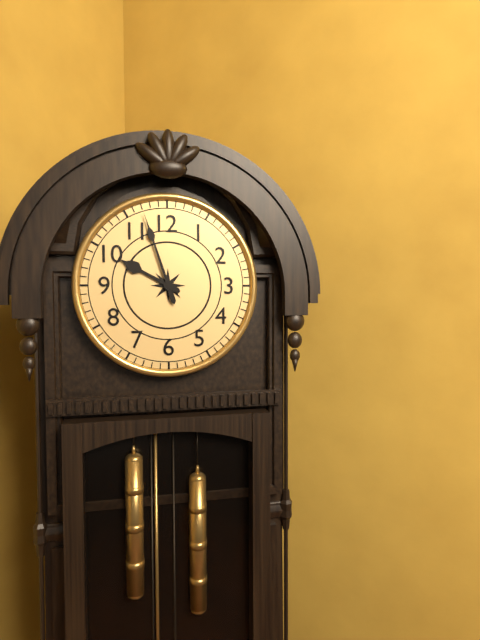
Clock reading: 9.57
